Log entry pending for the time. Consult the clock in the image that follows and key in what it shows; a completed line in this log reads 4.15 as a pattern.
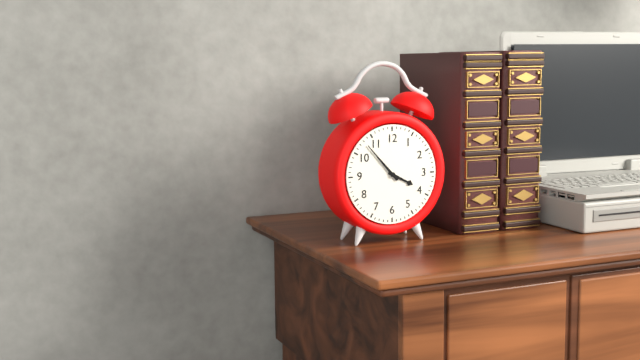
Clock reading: 3.53
